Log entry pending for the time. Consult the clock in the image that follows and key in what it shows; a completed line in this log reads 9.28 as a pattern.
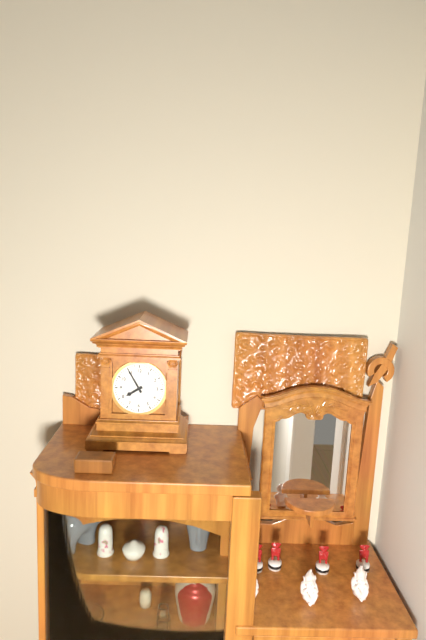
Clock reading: 7.55
